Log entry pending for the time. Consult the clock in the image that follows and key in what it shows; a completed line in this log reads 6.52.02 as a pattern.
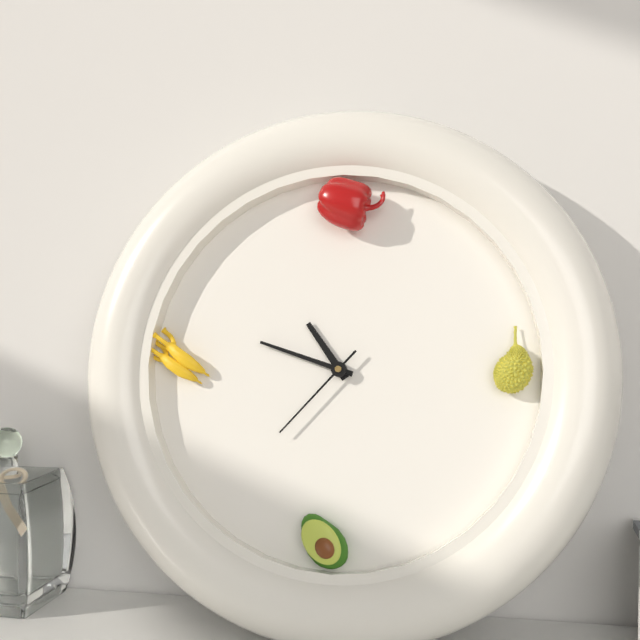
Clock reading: 10.48.37
